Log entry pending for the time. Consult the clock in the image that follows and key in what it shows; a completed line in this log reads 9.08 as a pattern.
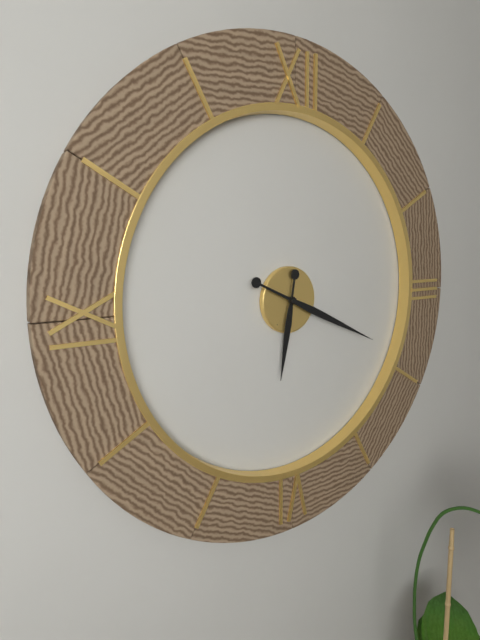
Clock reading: 6.19
